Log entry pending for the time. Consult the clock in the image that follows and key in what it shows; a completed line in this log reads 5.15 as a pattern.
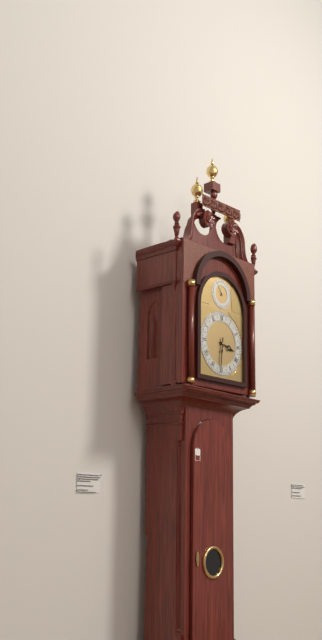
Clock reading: 3.31
